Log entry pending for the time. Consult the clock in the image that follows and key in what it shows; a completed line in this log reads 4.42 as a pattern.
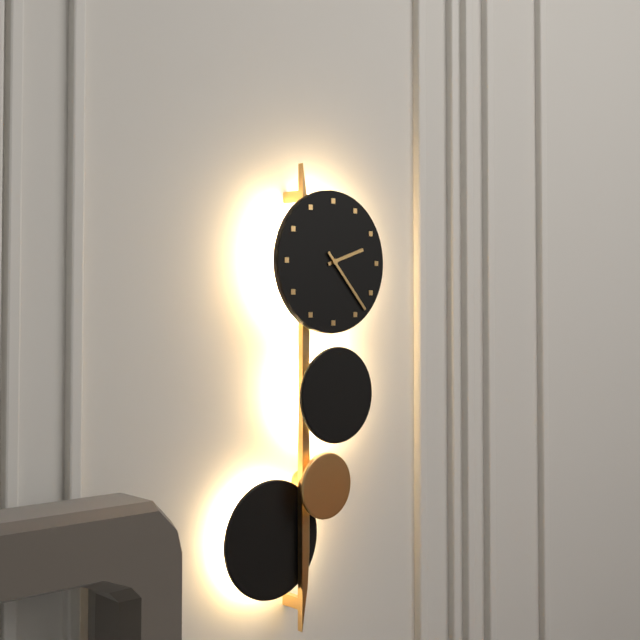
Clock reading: 2.23
